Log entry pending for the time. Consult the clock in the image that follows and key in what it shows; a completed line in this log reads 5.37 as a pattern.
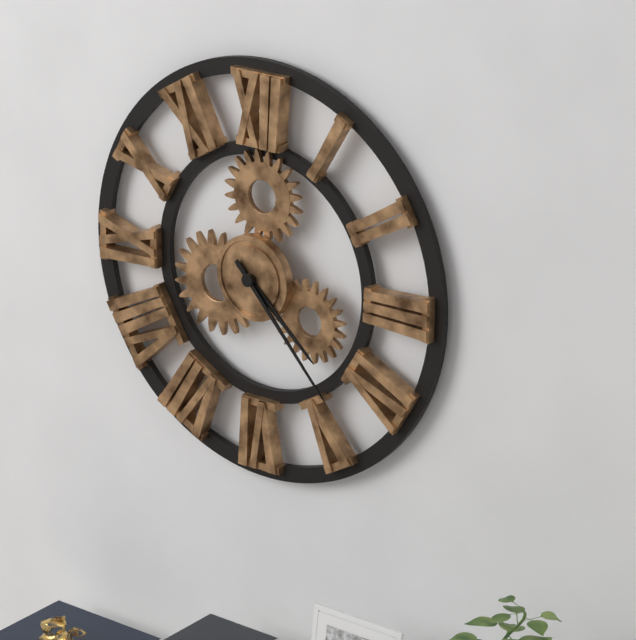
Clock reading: 4.23
